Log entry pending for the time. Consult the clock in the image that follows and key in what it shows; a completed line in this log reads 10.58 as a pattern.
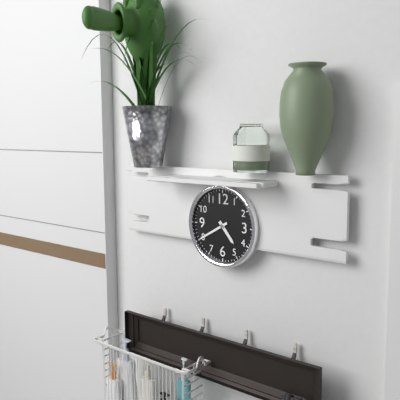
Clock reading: 4.40
